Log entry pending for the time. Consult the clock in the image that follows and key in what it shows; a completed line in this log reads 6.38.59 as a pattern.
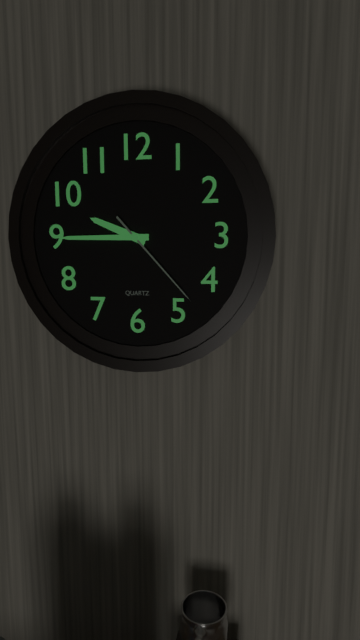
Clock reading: 9.45.23
